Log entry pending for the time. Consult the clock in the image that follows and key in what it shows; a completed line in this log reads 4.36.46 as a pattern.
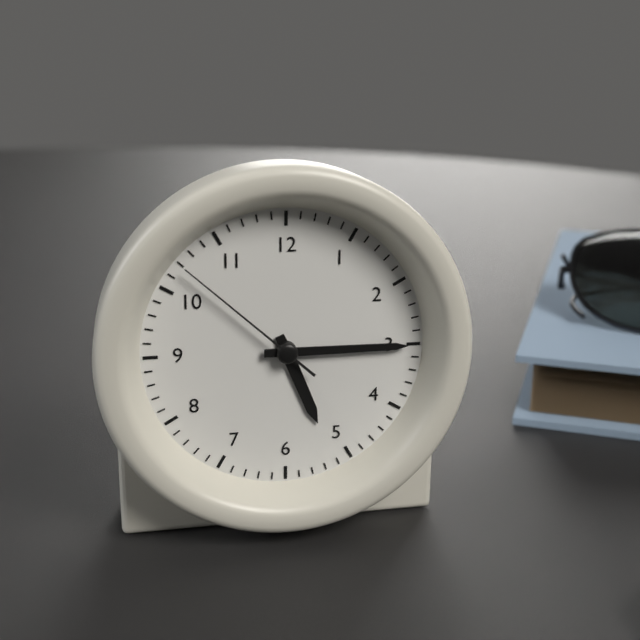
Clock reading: 5.15.52
